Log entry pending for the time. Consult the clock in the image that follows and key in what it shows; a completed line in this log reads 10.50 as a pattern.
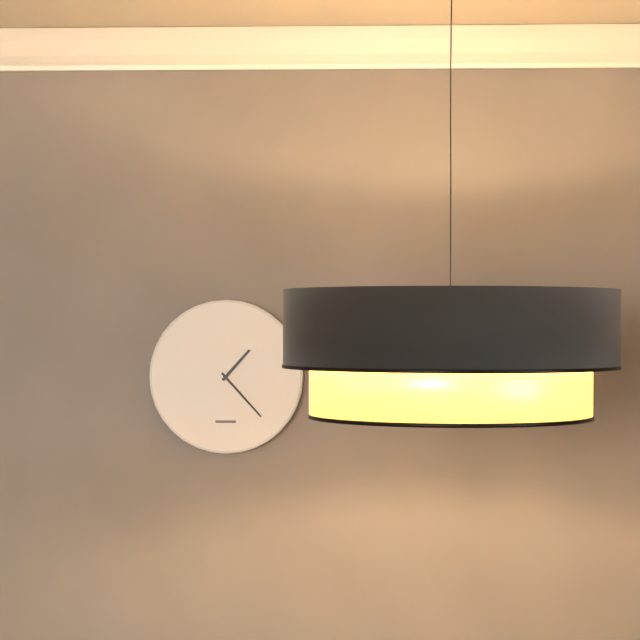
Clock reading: 1.23
